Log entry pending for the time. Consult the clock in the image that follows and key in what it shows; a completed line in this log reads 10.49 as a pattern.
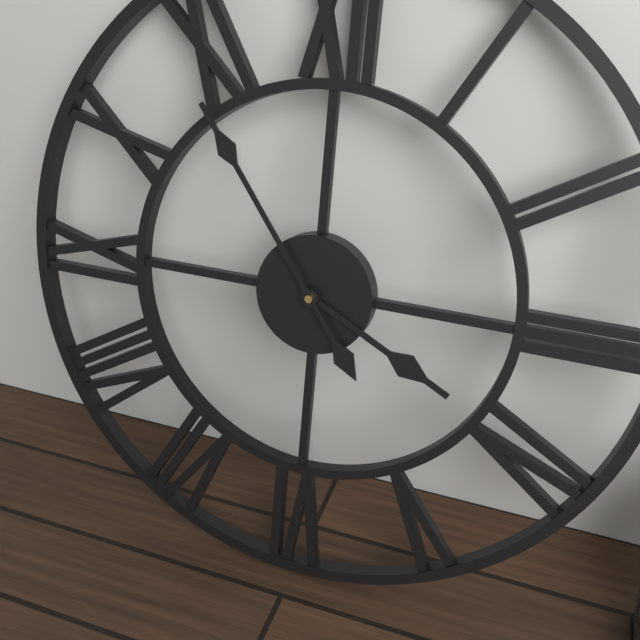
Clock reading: 3.54
